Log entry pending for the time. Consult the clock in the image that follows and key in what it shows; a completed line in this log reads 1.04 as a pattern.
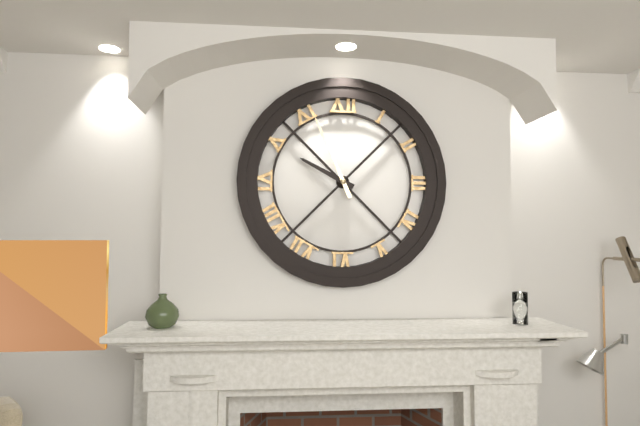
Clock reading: 9.56
